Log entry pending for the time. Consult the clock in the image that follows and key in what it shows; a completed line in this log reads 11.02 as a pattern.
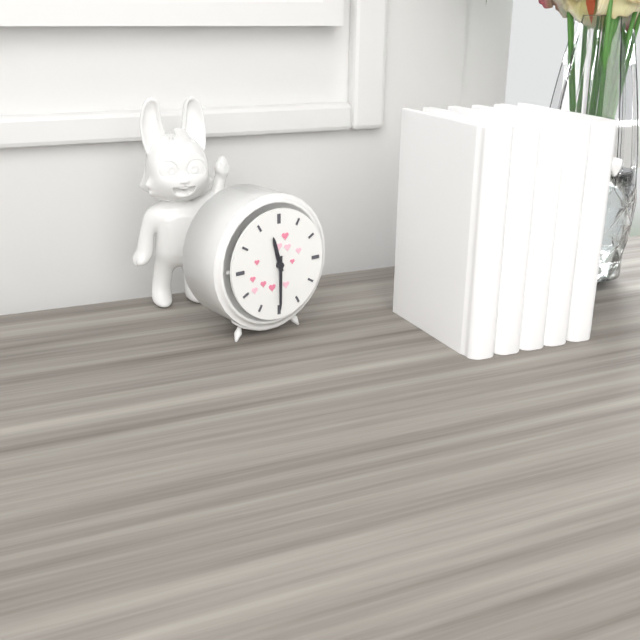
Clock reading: 11.30
